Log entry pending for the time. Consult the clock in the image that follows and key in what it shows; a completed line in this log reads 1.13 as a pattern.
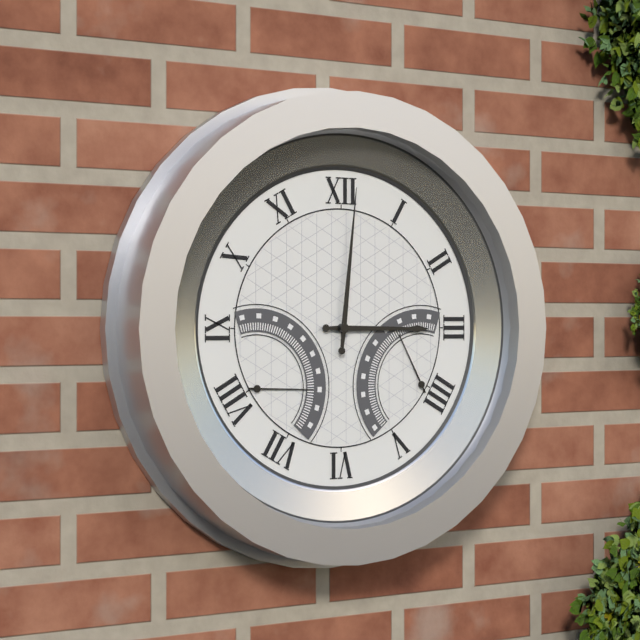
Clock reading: 3.01
